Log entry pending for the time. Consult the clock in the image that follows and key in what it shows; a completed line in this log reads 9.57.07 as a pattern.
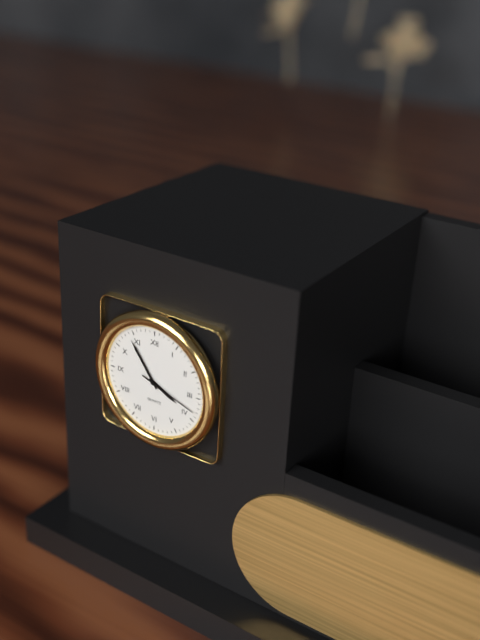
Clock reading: 3.54.18
